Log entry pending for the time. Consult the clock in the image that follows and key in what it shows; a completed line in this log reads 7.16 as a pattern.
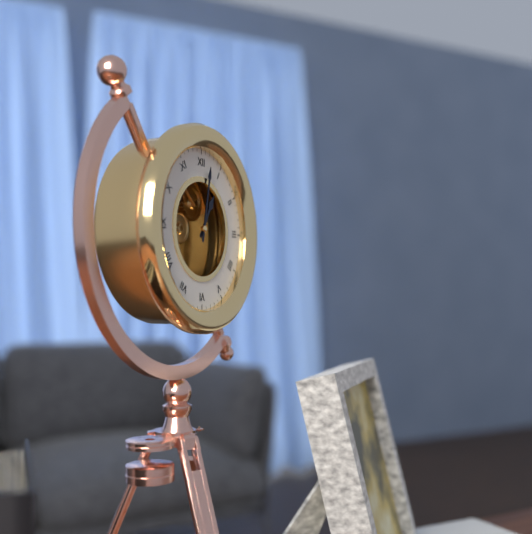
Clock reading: 1.02
